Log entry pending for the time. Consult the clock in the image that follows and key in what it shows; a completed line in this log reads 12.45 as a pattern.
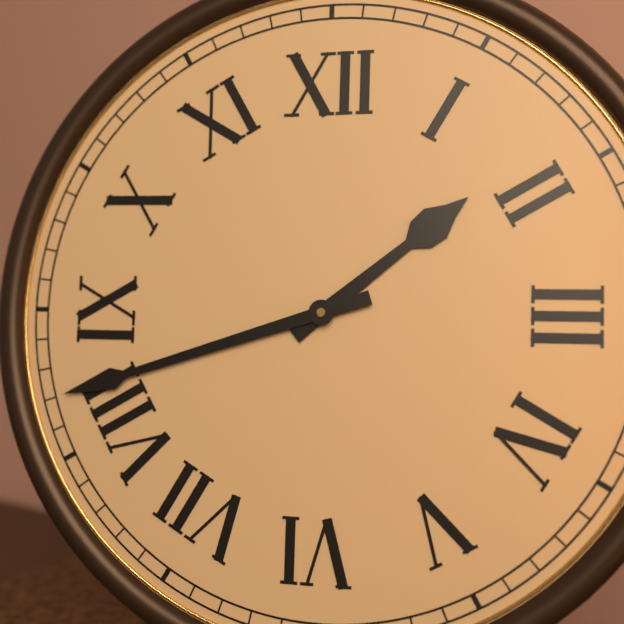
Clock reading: 1.42
